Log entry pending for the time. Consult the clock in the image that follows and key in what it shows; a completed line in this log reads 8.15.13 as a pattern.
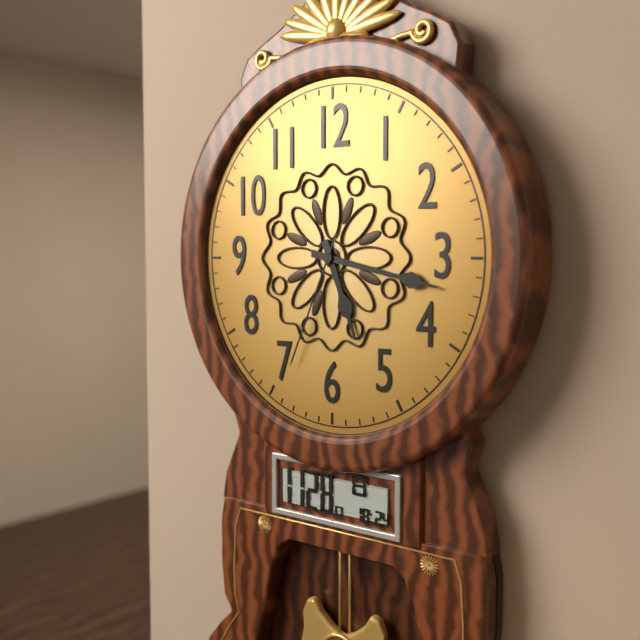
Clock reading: 5.17.34
